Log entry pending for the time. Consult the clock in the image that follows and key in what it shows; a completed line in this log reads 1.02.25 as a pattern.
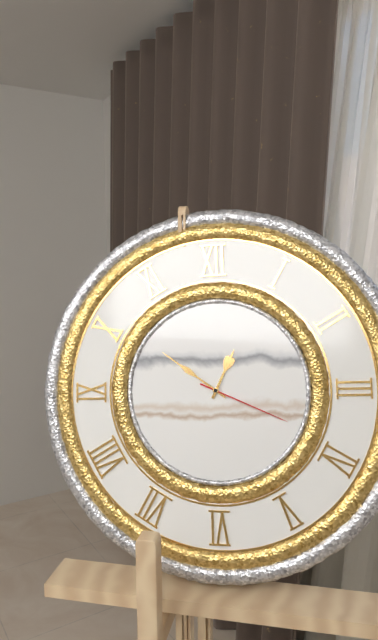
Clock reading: 12.51.19
